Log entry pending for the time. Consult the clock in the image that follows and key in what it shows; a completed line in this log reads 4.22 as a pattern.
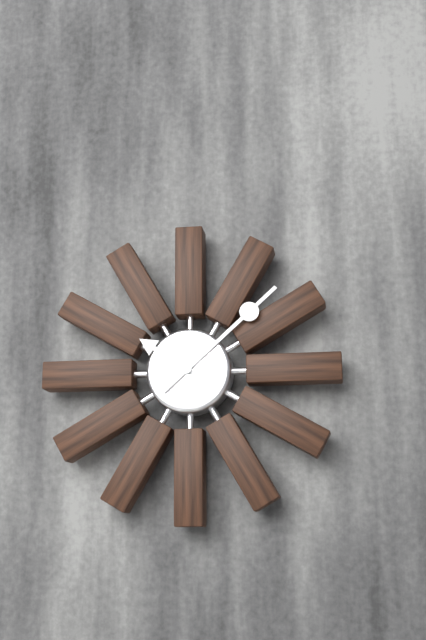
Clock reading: 10.08
